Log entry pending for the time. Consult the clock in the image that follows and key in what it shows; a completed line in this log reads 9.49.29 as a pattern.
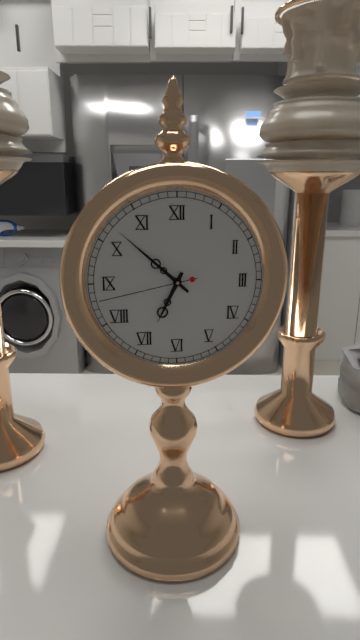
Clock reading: 6.52.43
